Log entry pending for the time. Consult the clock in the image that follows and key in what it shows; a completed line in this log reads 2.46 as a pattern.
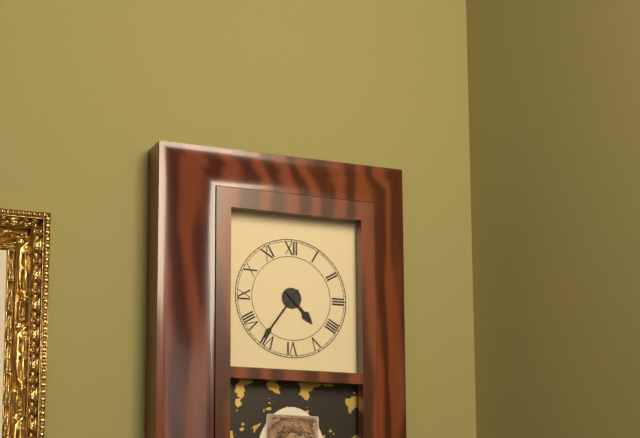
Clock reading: 4.36
